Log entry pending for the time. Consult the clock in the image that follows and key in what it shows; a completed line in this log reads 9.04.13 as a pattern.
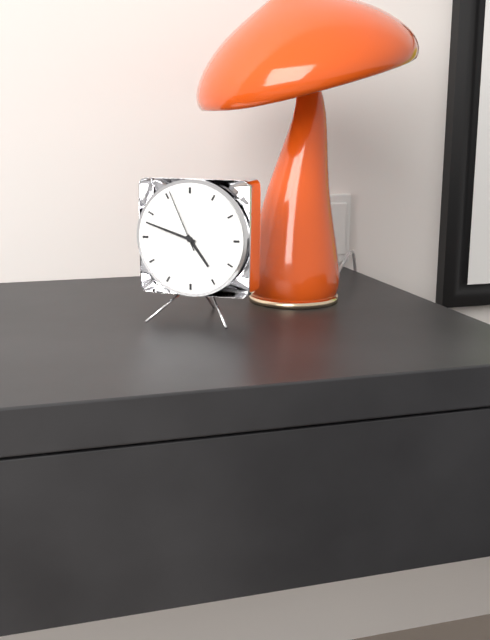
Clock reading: 4.48.56
